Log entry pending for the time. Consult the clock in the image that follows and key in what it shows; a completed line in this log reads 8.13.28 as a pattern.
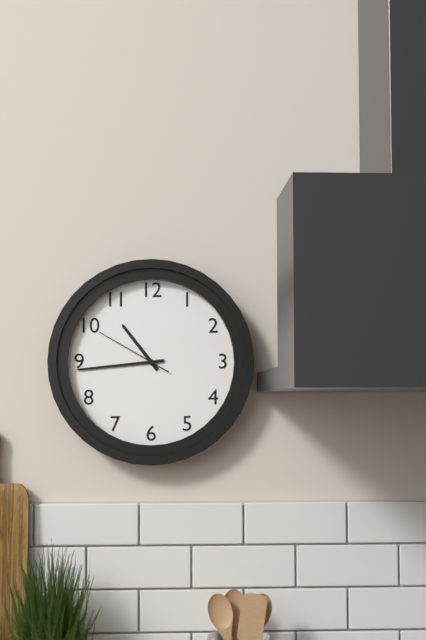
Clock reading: 10.44.50
